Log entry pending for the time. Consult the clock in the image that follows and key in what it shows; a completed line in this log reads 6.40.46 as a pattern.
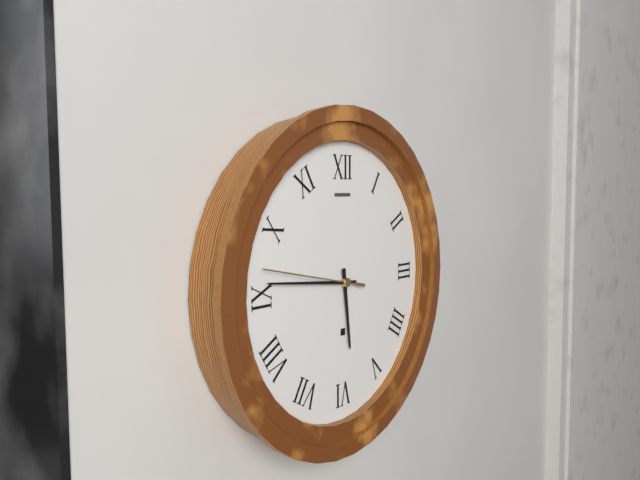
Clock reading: 5.46.47
